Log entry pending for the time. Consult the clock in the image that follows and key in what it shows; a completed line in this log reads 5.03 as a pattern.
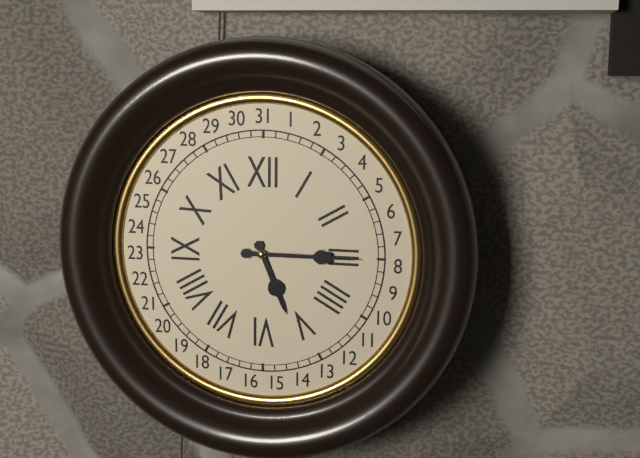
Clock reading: 5.15
